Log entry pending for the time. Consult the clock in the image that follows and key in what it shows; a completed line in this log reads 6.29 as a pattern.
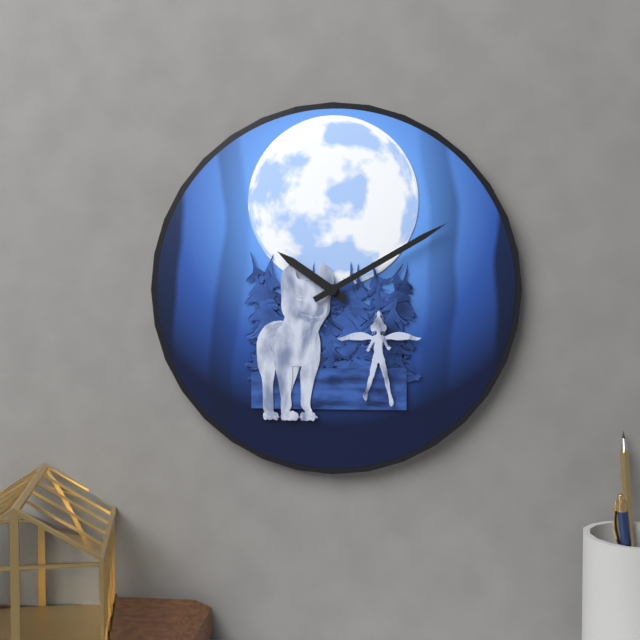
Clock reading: 10.10
